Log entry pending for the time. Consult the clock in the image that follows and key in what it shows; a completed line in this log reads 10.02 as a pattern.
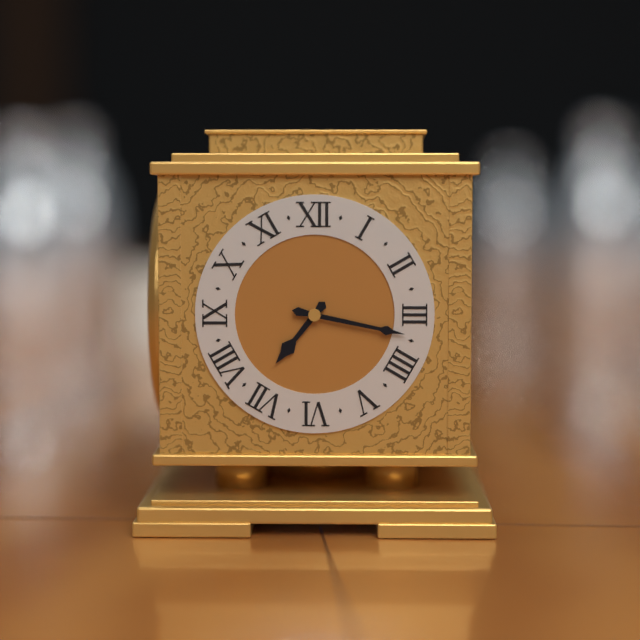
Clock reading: 7.17
